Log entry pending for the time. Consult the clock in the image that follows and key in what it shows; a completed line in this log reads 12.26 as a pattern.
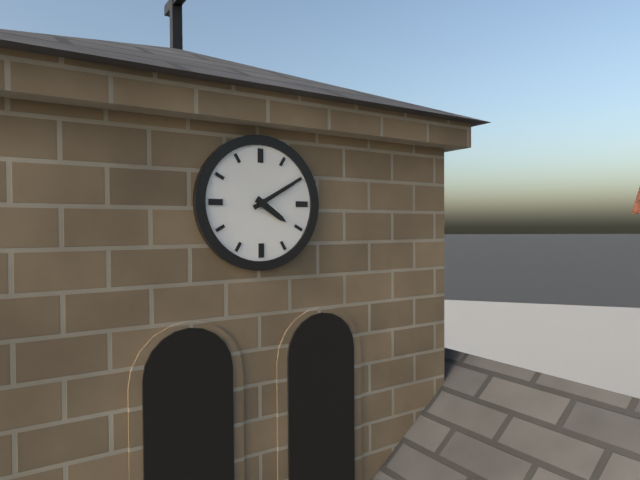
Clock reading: 4.10
